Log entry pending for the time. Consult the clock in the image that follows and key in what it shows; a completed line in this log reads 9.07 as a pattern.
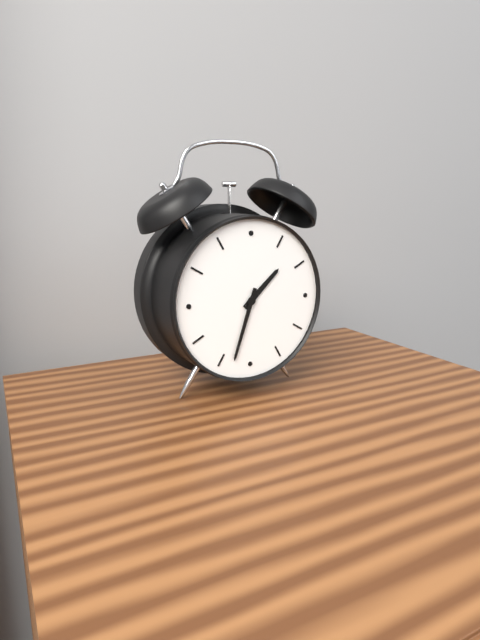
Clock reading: 1.33
